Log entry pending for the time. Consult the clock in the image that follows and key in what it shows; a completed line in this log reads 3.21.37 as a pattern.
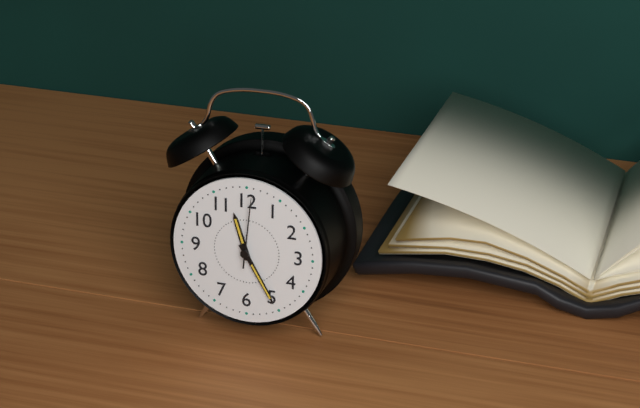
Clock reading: 11.25.01
